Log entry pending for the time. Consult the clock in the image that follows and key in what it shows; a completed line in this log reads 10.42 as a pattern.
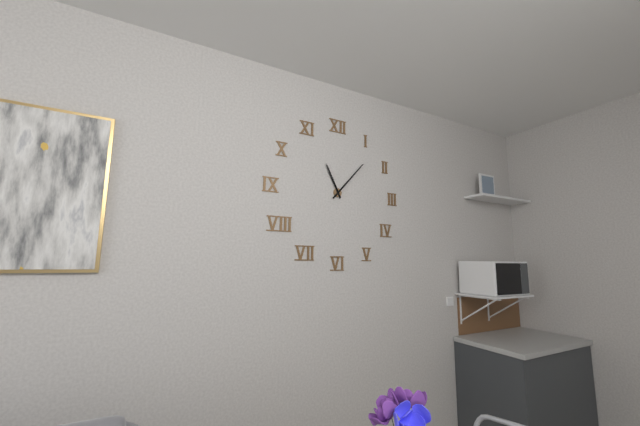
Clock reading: 11.07
